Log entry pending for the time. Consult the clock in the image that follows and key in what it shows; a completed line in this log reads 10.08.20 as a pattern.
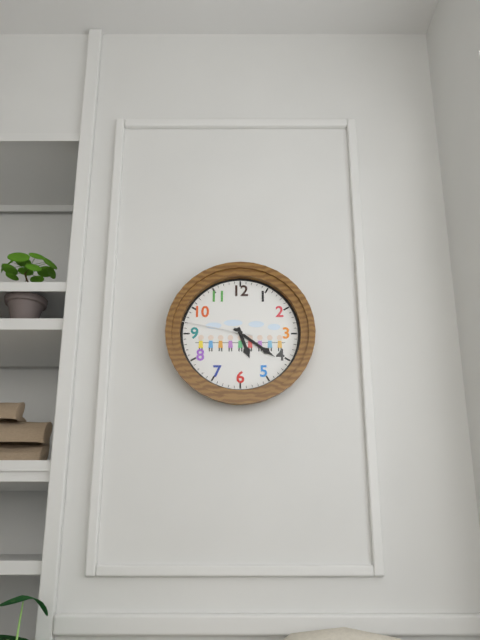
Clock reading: 5.21.47
